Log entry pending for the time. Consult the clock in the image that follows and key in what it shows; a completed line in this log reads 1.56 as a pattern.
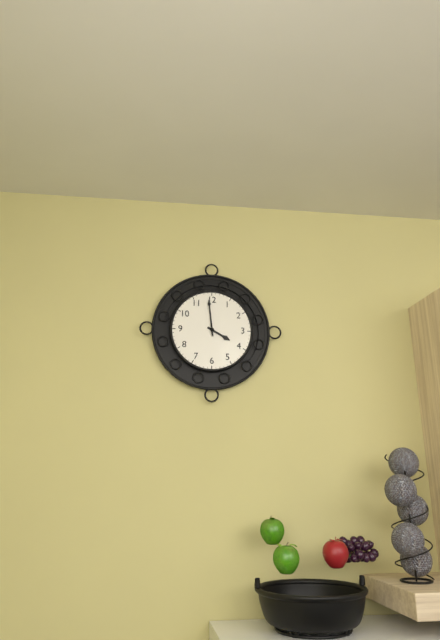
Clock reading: 3.59
